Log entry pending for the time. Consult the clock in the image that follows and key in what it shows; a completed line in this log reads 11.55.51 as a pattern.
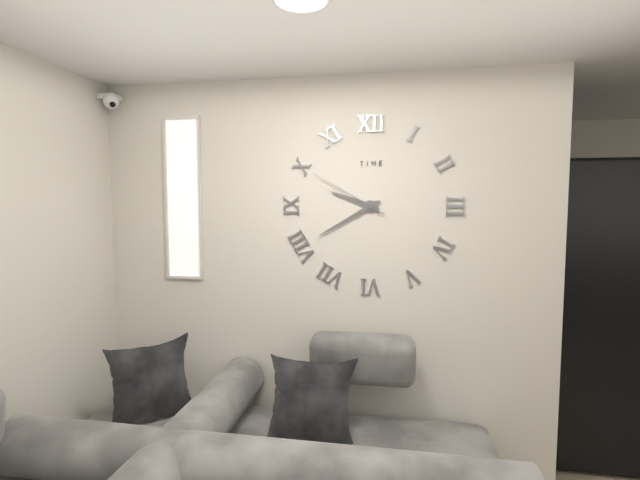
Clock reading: 9.40.50
